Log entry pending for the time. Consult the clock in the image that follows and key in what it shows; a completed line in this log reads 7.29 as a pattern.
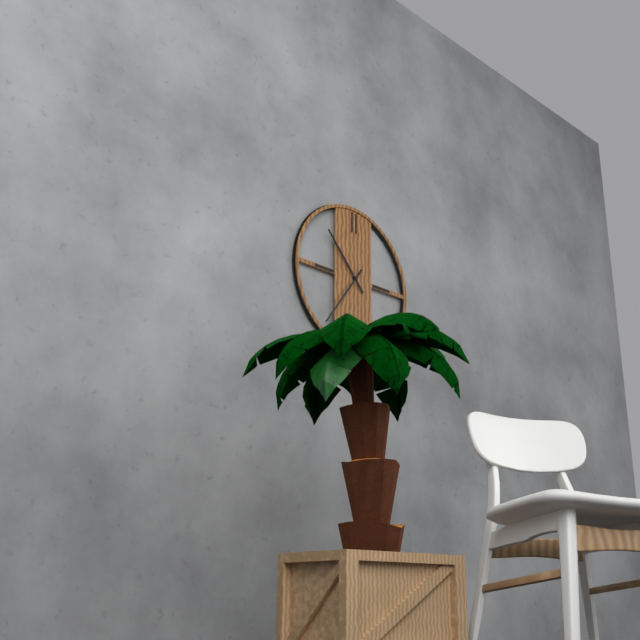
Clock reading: 10.36
